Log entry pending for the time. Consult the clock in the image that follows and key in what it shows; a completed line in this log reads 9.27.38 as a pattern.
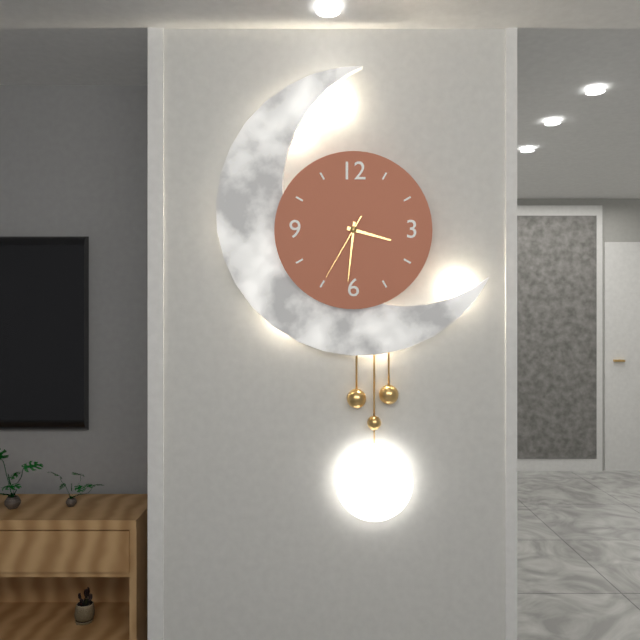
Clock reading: 3.31.35
